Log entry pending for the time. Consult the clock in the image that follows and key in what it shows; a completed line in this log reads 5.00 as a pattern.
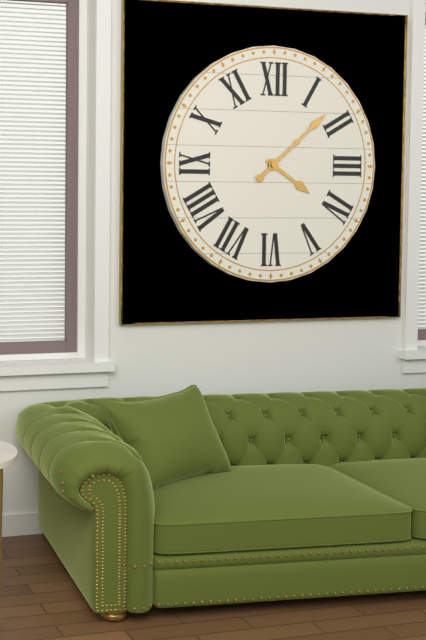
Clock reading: 4.08
